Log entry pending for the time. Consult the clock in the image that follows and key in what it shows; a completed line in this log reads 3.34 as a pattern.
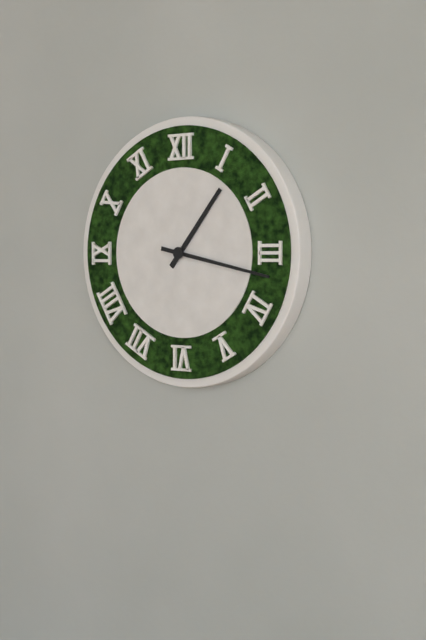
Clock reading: 1.17
